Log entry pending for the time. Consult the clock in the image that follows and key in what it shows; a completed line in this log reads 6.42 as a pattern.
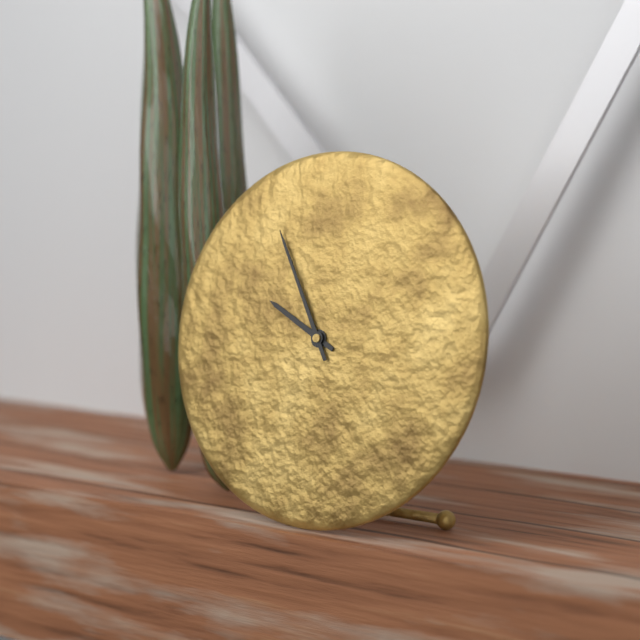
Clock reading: 9.55
